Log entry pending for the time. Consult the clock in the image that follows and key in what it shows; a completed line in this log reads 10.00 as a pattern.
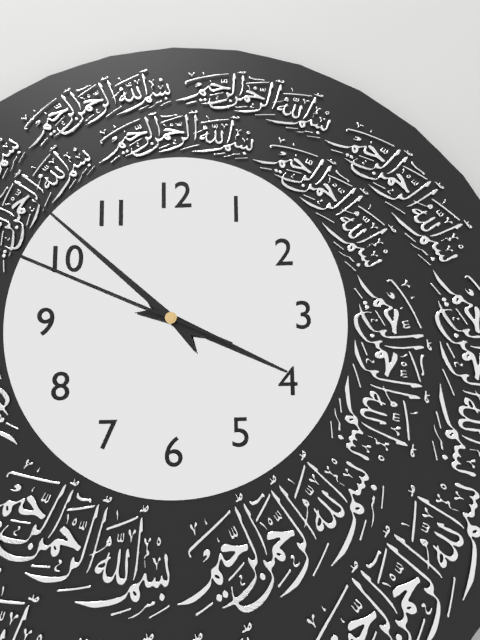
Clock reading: 3.52
